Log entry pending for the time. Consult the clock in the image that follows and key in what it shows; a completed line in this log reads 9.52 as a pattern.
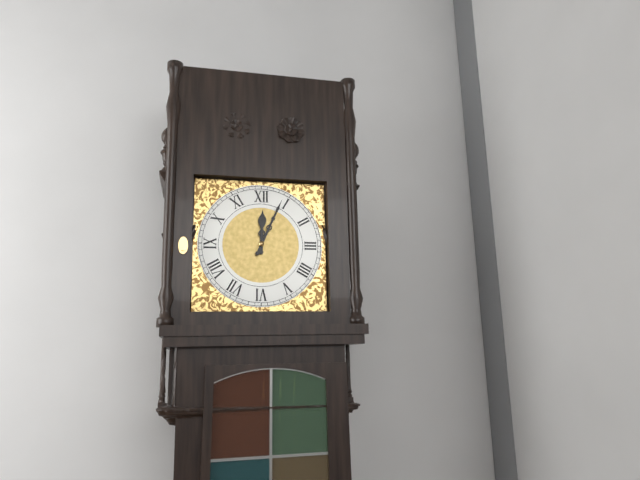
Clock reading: 12.04
